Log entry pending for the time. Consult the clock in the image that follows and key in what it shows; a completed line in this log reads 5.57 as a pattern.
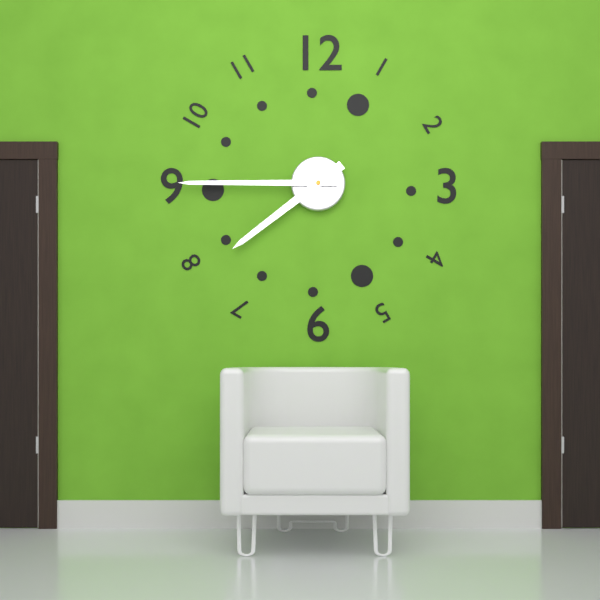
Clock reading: 7.45
